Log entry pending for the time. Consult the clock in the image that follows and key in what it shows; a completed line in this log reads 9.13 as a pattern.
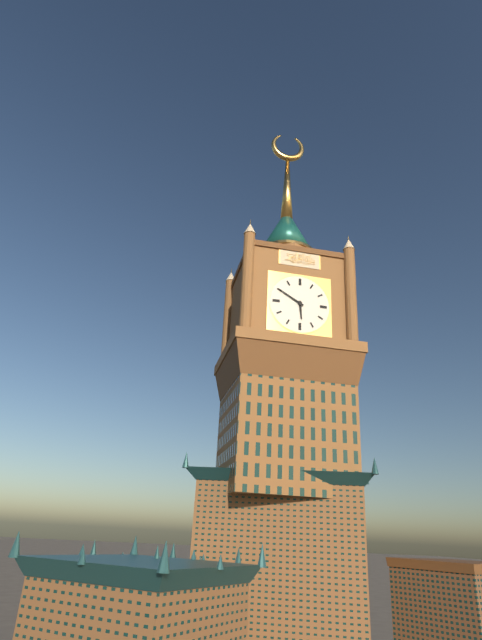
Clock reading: 5.50
